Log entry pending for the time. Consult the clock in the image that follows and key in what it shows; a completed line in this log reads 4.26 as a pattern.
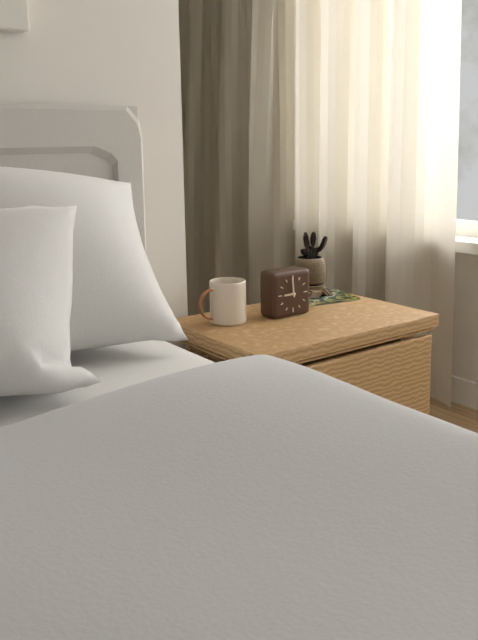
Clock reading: 8.59
